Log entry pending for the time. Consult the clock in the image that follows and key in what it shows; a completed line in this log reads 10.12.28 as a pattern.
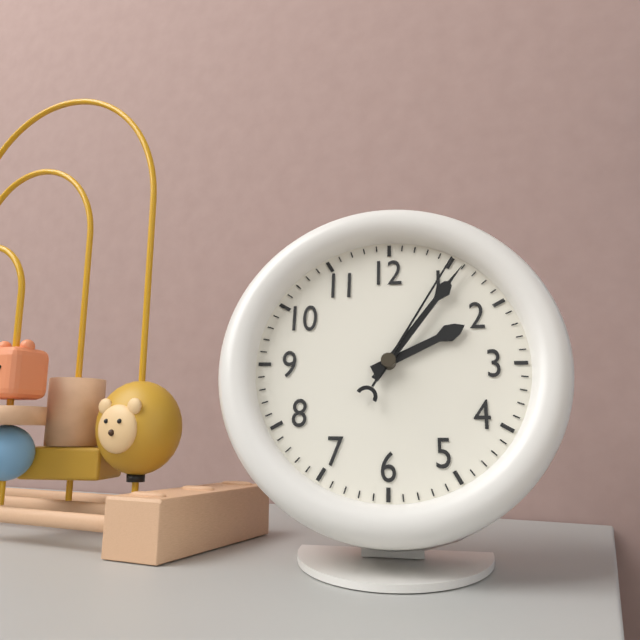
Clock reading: 2.06.05
